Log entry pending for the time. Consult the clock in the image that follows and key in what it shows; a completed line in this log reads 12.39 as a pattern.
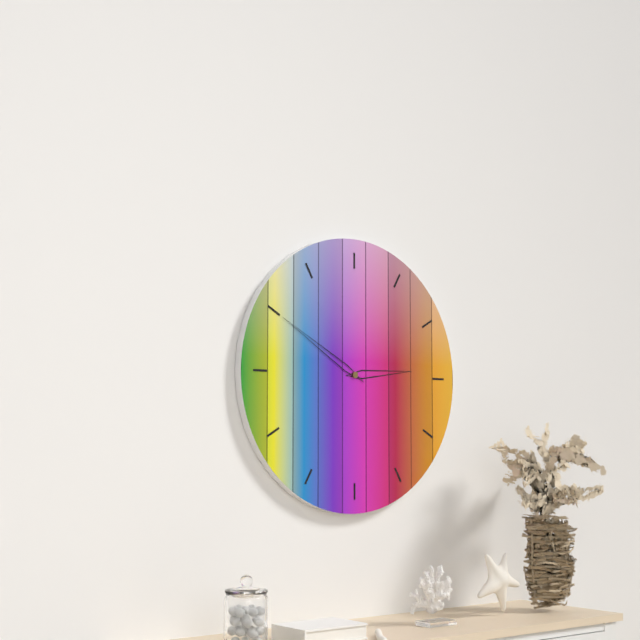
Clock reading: 2.50
